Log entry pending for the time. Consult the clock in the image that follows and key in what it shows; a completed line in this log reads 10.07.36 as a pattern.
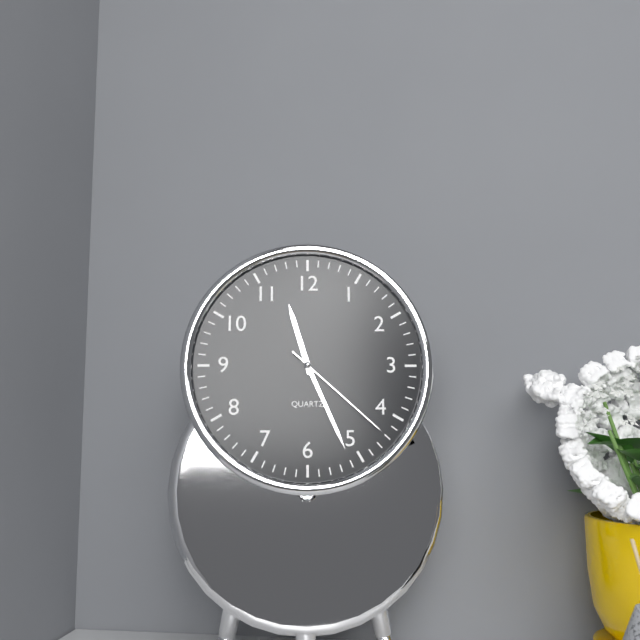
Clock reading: 11.26.22
